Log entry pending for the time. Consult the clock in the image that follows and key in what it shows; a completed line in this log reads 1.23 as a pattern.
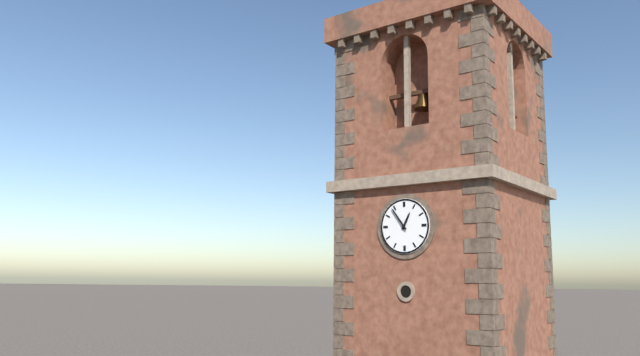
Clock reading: 12.54
